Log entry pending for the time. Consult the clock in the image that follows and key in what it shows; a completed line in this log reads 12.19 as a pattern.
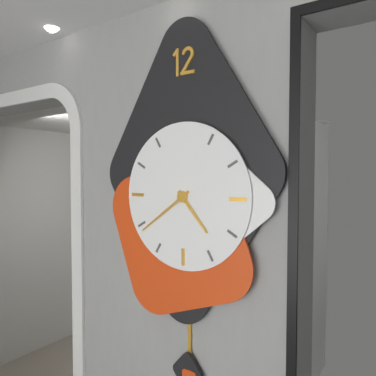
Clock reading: 4.39
